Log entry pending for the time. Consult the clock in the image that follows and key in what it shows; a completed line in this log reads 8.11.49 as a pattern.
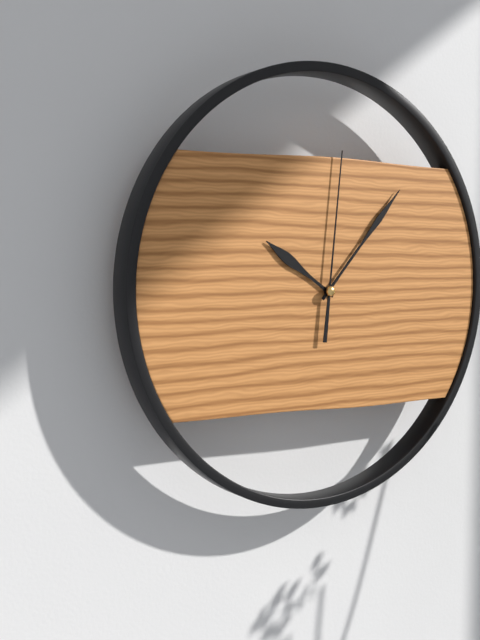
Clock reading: 10.07.01
